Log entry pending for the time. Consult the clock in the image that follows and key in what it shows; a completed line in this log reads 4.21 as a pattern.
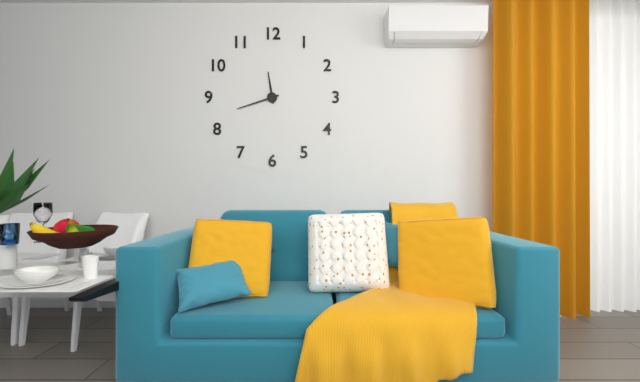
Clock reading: 11.42
